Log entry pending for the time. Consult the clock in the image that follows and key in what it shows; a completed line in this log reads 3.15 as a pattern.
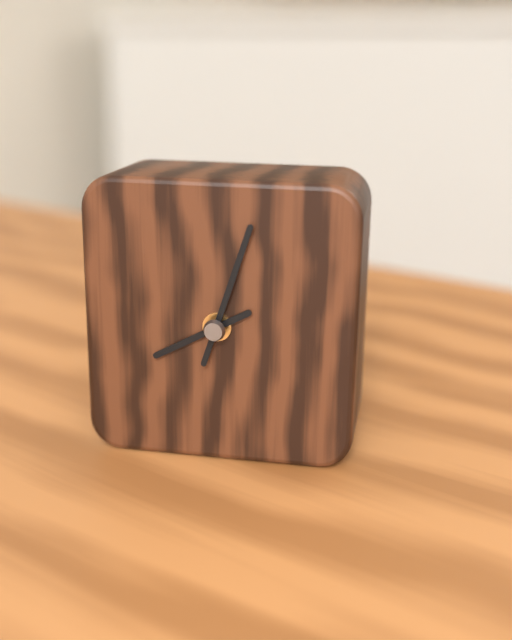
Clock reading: 8.03
